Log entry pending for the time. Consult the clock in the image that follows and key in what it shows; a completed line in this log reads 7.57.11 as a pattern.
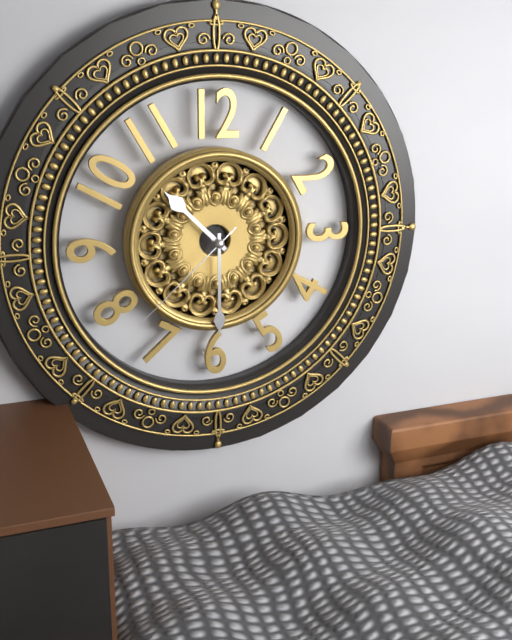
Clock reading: 10.30.38
